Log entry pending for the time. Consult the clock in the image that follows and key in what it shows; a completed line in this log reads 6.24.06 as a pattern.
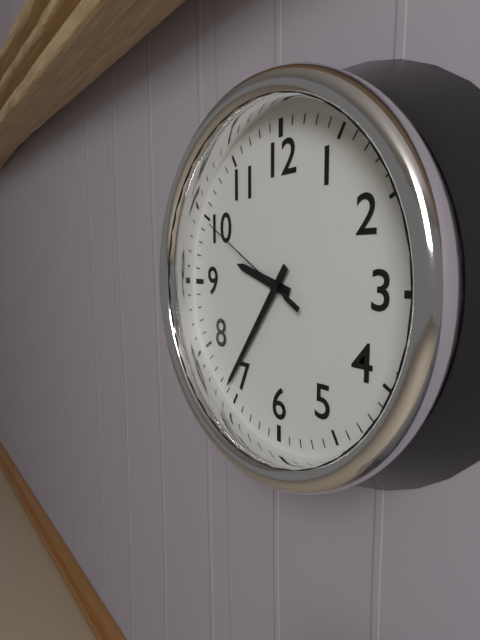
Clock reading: 9.36.50
